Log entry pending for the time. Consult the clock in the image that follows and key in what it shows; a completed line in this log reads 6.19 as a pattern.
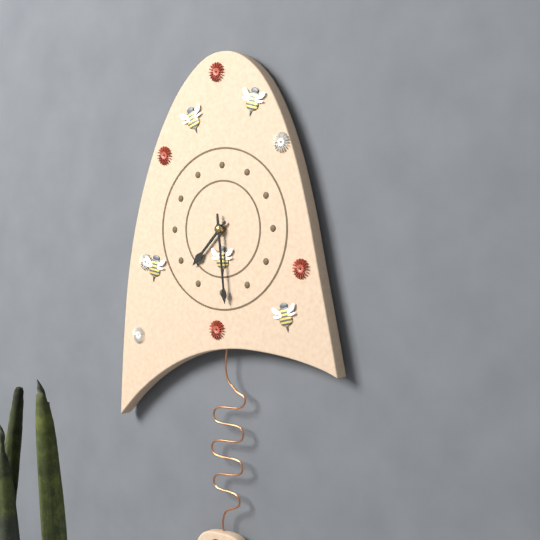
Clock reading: 7.29
